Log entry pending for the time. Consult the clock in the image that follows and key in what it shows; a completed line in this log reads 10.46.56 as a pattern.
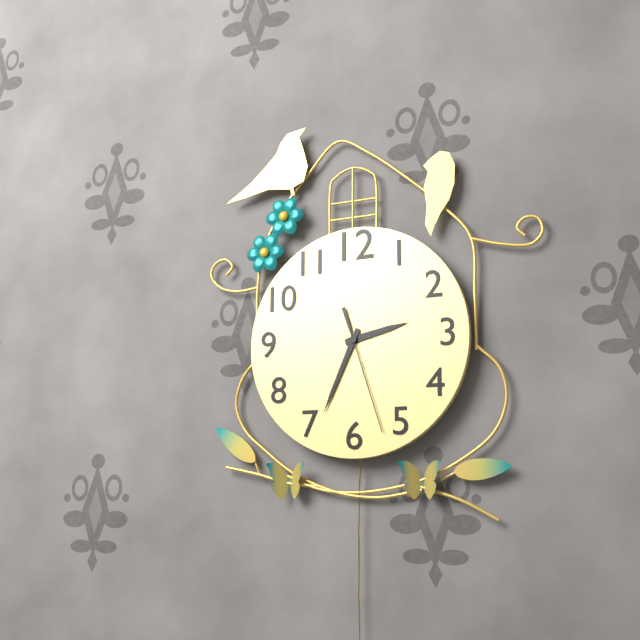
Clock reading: 2.34.27
